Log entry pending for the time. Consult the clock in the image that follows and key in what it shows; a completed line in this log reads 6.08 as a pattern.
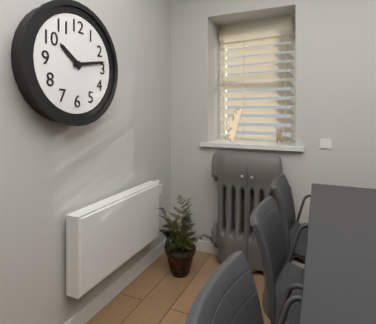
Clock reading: 10.13
